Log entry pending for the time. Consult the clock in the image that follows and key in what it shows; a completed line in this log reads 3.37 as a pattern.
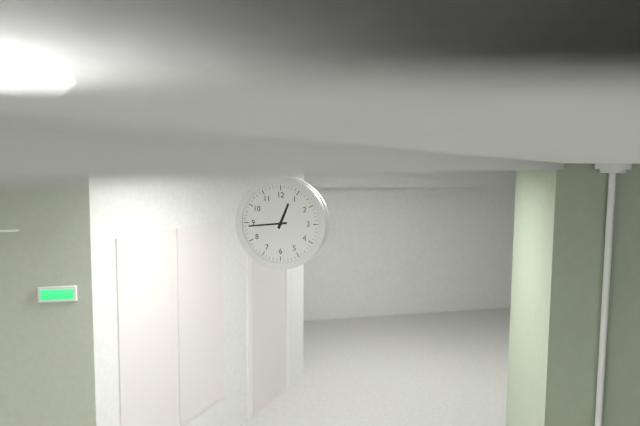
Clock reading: 12.44
